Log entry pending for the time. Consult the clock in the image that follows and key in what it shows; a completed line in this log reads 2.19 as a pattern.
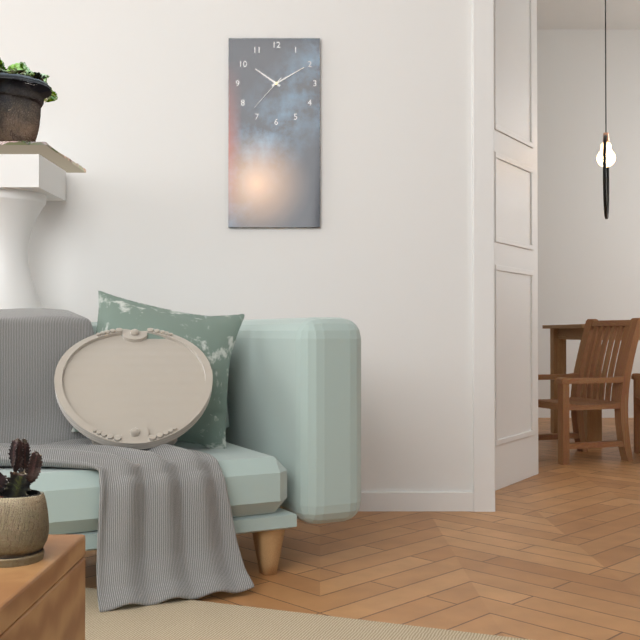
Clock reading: 10.10
